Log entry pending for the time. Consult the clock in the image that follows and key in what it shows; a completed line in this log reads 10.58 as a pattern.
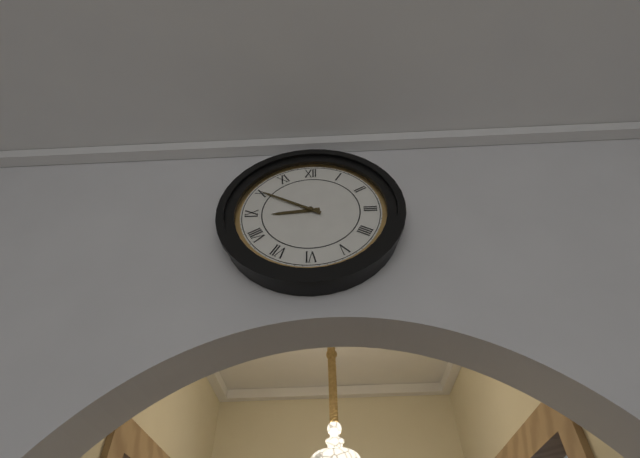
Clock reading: 8.50
